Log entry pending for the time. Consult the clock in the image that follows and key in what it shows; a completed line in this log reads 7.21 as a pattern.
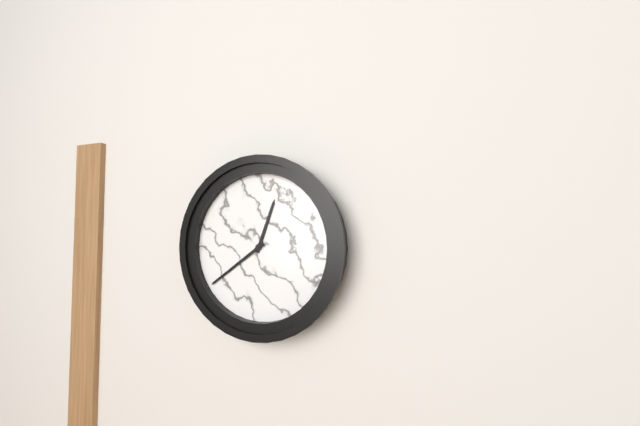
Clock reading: 12.39
